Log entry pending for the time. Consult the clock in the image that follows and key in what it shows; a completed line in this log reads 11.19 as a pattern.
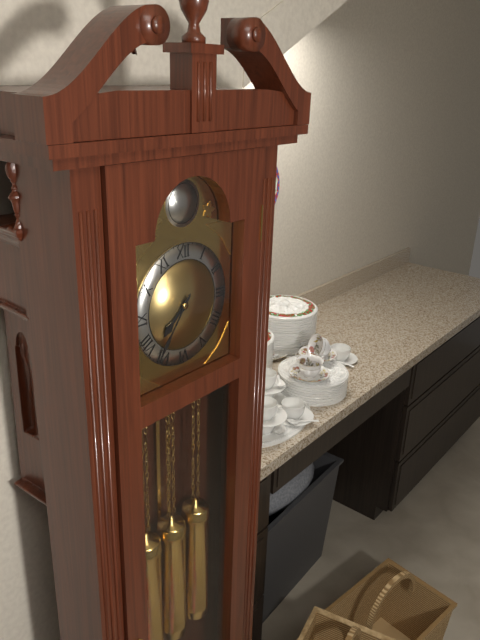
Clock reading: 7.36
